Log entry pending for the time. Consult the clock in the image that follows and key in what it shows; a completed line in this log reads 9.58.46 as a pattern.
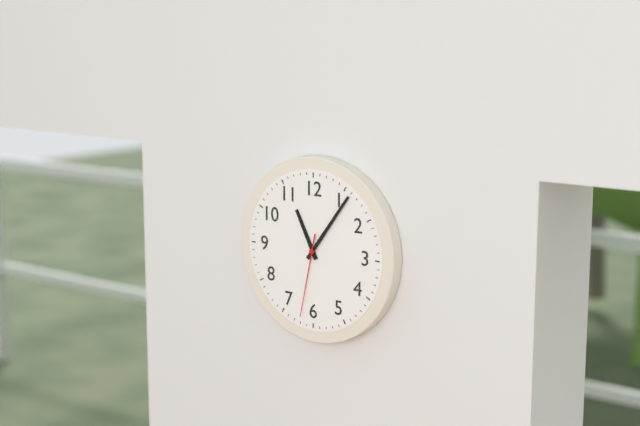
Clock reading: 11.06.32
